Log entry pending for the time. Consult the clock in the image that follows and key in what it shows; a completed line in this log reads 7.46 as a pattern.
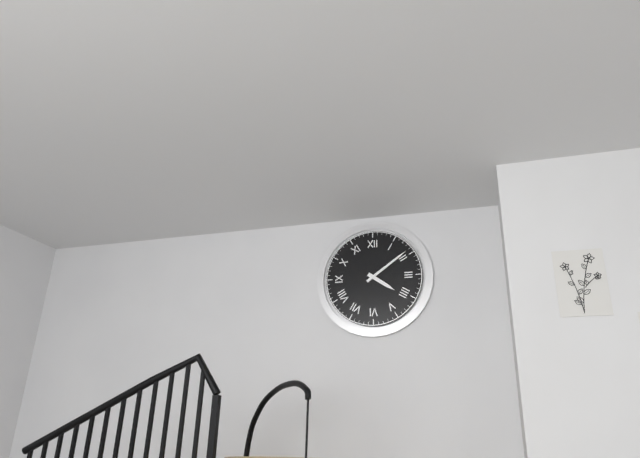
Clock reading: 4.09
